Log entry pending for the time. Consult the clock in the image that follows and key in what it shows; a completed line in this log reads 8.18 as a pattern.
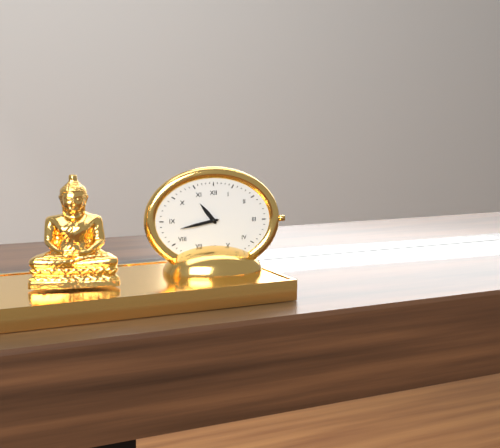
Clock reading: 10.43
